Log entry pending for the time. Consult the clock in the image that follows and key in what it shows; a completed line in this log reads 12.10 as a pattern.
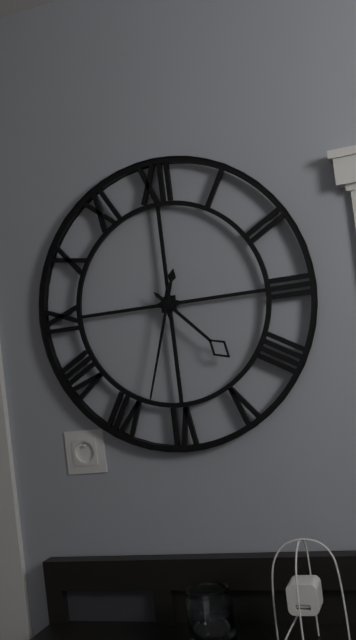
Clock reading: 4.33
